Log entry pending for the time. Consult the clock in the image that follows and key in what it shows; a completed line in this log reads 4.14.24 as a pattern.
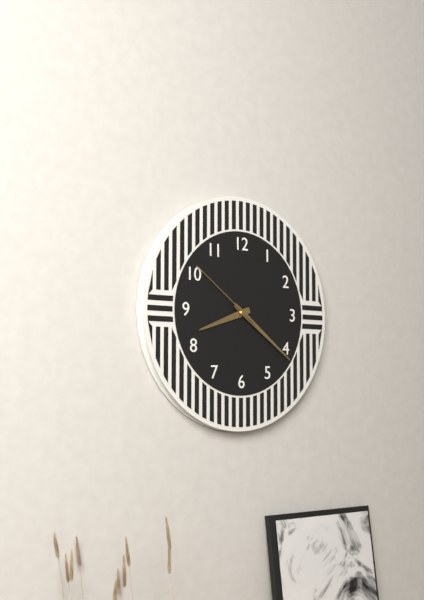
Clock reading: 8.21.51
